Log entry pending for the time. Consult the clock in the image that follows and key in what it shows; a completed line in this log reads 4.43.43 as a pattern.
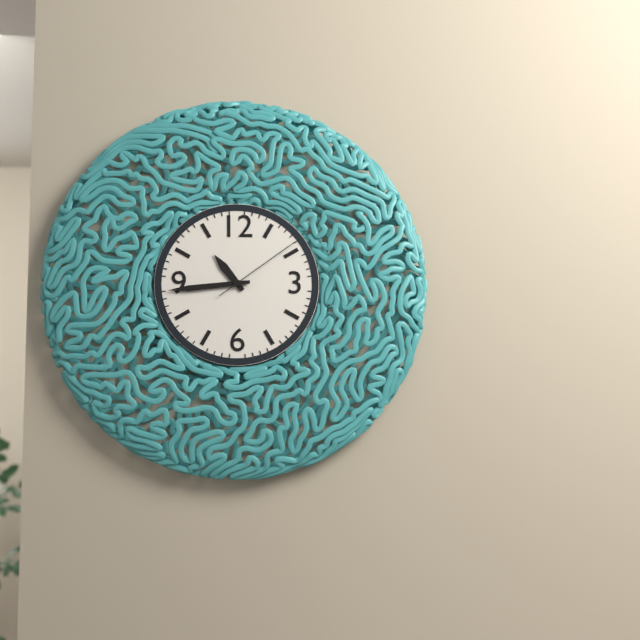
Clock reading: 10.44.09
